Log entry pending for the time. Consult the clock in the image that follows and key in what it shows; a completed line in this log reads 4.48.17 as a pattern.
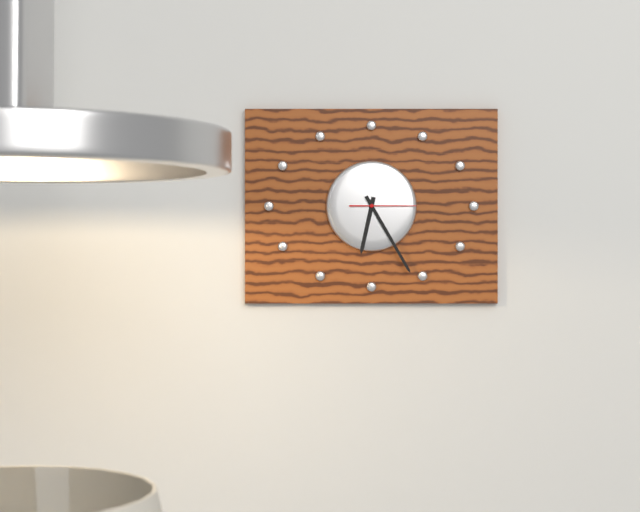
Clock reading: 6.25.15
